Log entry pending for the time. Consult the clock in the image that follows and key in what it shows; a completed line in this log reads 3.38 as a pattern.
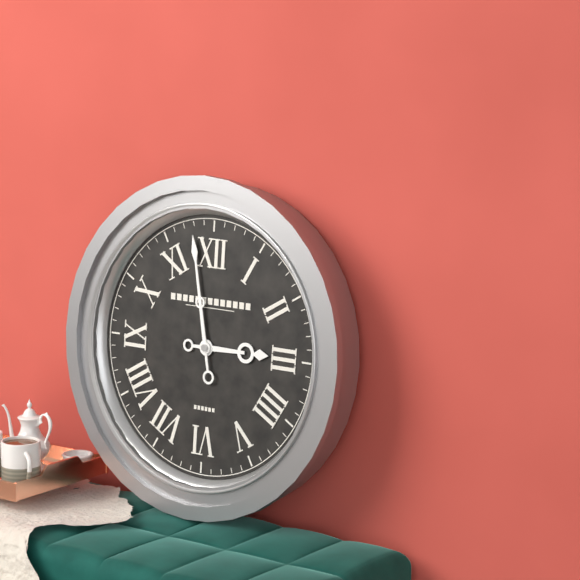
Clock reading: 2.58
